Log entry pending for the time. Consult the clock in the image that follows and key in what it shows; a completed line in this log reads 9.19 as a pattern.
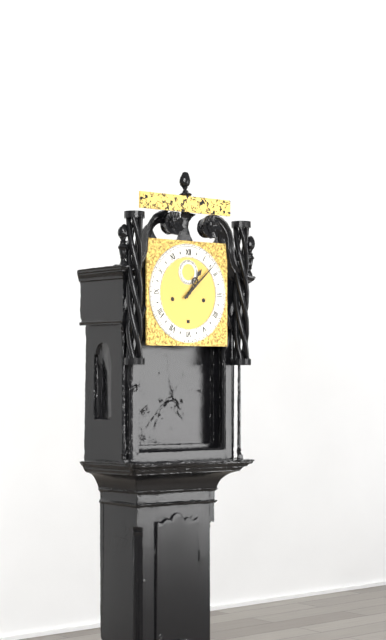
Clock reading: 1.08
